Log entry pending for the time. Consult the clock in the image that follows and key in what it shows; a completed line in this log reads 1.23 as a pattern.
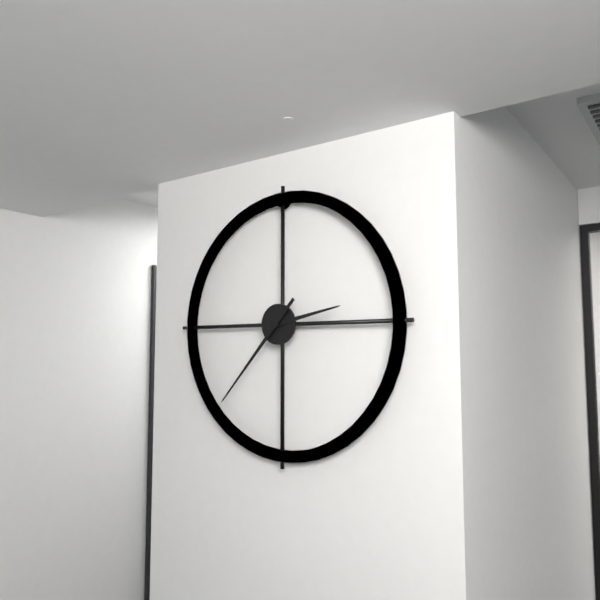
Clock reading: 2.37
